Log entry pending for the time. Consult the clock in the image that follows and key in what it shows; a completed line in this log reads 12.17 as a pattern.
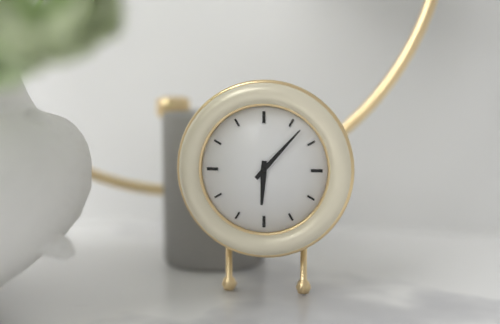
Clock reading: 6.07
